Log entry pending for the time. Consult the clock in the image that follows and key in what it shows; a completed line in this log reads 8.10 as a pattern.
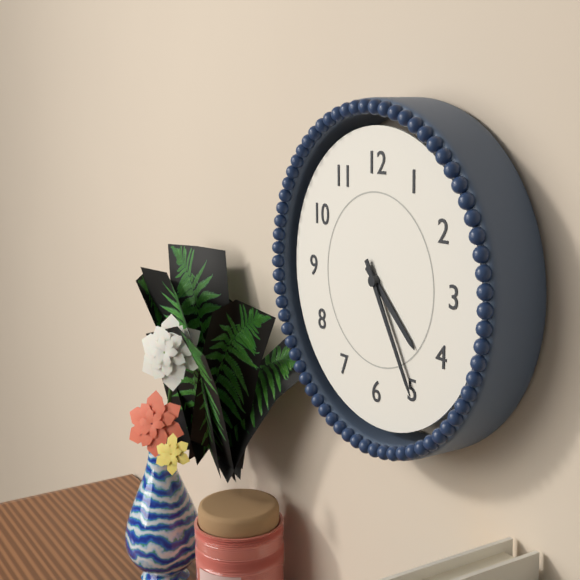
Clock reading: 4.25
